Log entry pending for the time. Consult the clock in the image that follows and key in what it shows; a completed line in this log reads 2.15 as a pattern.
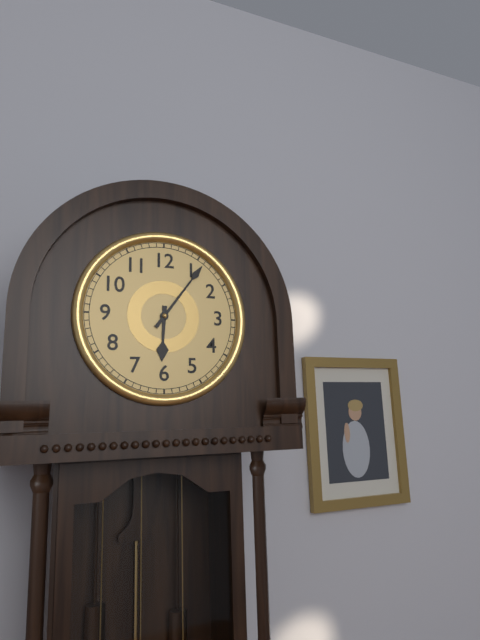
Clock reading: 6.06
